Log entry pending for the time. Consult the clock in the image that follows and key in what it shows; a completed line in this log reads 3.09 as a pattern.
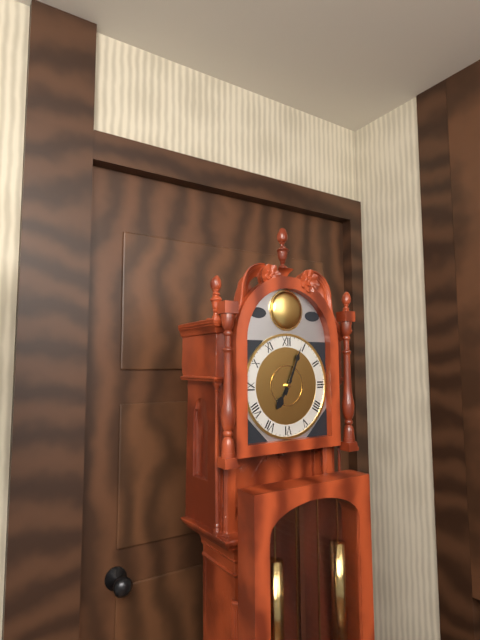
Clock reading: 7.04
